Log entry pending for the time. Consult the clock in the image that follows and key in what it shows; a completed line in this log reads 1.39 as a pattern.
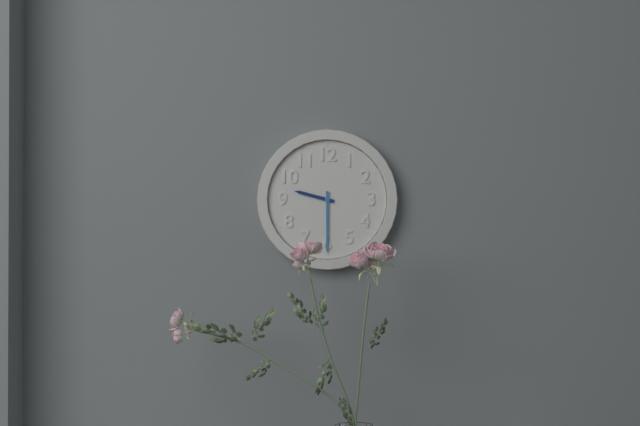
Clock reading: 9.30
